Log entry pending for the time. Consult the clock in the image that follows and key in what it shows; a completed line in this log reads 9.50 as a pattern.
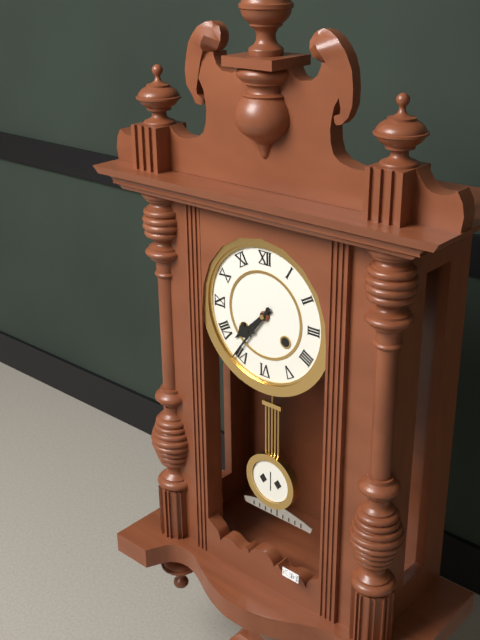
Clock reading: 7.36
